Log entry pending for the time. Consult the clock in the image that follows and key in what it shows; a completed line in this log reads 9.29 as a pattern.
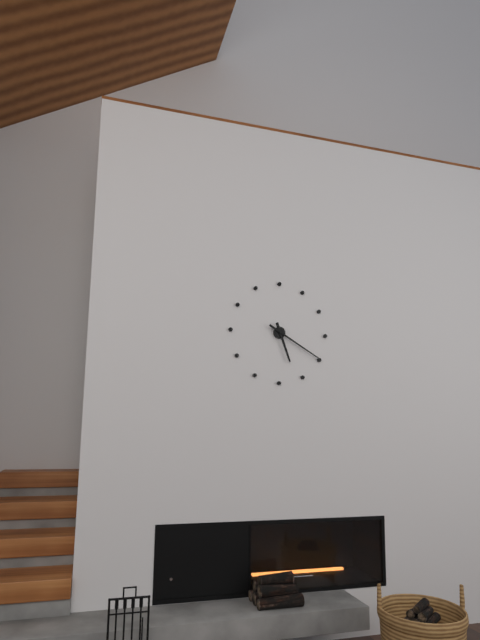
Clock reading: 5.20
